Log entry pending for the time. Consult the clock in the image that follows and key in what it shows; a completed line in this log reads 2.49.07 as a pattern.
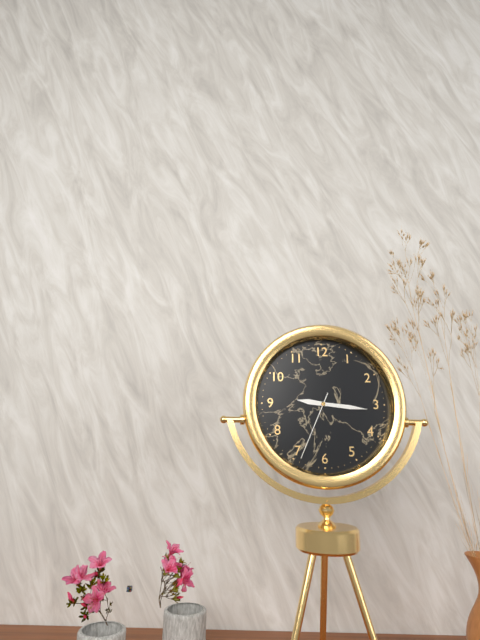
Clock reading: 9.16.34
